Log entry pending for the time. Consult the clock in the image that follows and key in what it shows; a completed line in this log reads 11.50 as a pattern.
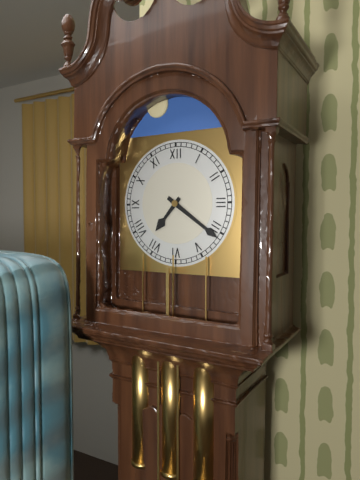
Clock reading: 7.21
